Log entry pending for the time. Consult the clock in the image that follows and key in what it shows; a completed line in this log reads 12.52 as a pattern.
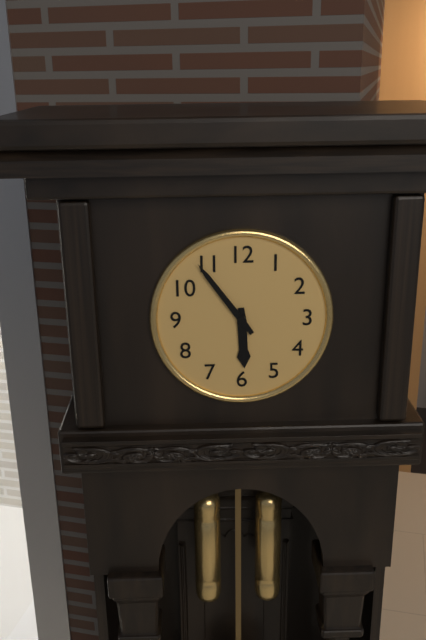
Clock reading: 5.54
